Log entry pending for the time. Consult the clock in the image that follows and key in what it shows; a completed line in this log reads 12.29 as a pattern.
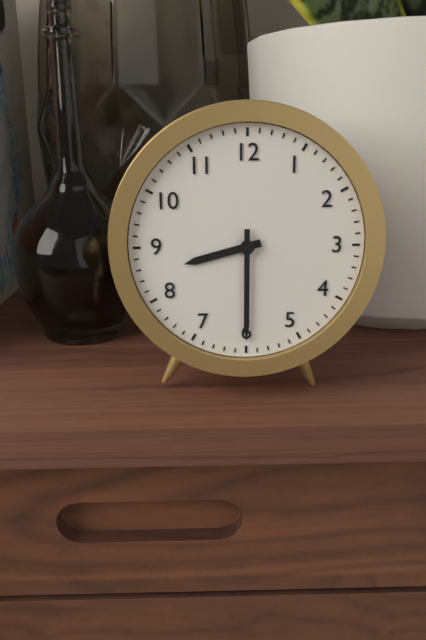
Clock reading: 8.30
